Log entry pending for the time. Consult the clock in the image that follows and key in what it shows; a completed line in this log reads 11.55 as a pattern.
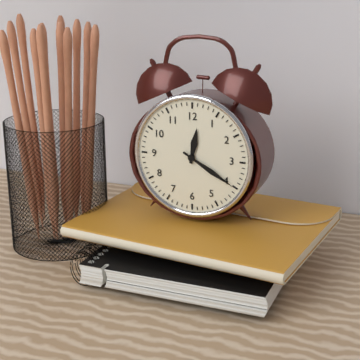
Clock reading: 12.20
